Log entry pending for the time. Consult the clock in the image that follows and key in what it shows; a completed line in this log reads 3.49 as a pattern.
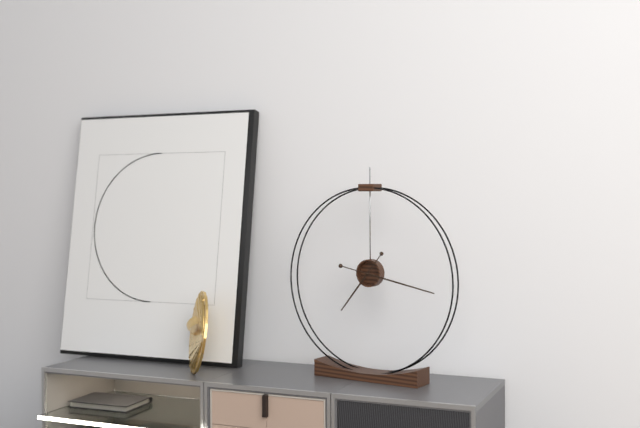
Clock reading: 7.17
